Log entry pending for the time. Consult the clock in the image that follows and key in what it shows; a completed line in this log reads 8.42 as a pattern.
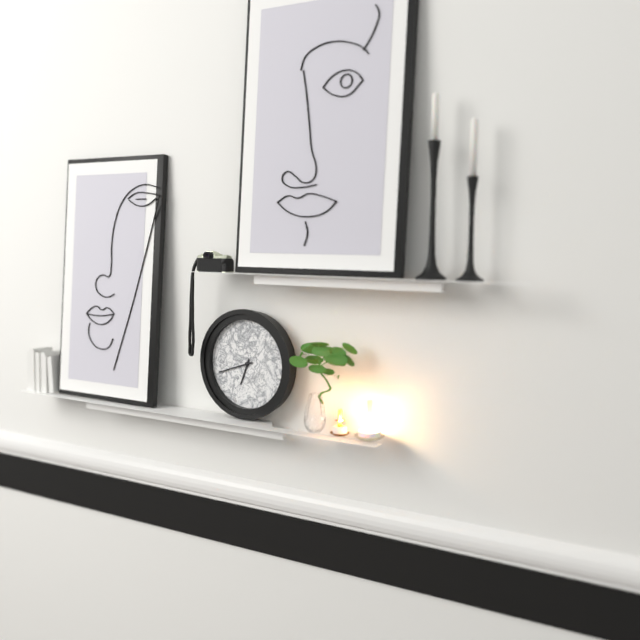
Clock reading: 6.42
